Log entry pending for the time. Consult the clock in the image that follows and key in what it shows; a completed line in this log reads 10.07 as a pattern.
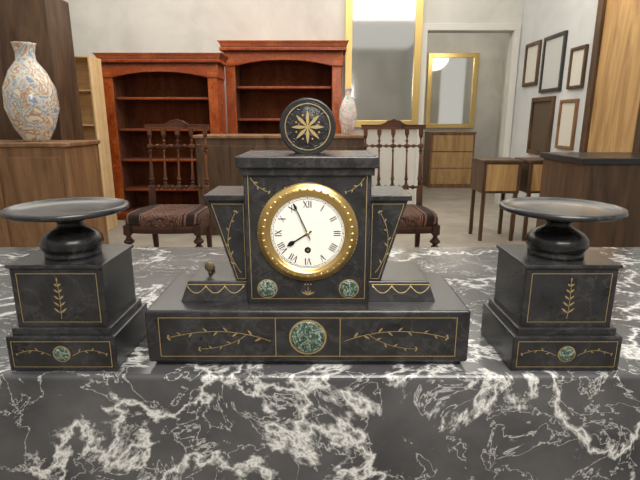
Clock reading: 7.56
